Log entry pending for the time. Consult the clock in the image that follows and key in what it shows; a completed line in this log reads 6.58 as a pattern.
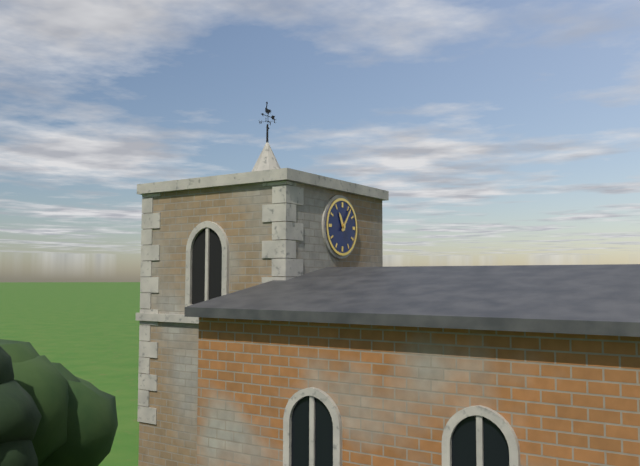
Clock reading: 11.06
